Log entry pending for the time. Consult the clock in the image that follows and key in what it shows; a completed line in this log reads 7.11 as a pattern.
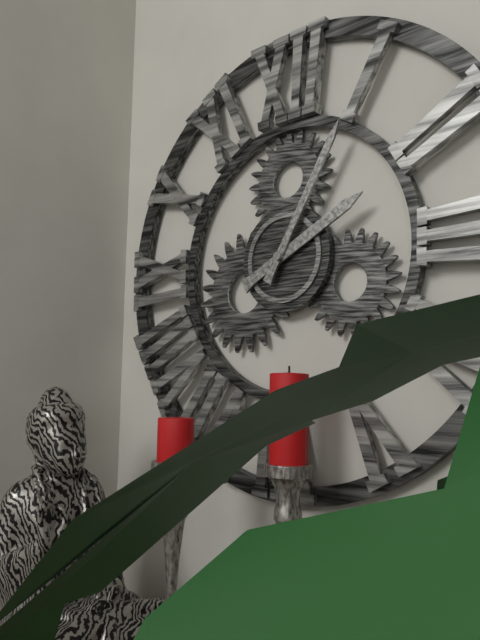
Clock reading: 2.05
